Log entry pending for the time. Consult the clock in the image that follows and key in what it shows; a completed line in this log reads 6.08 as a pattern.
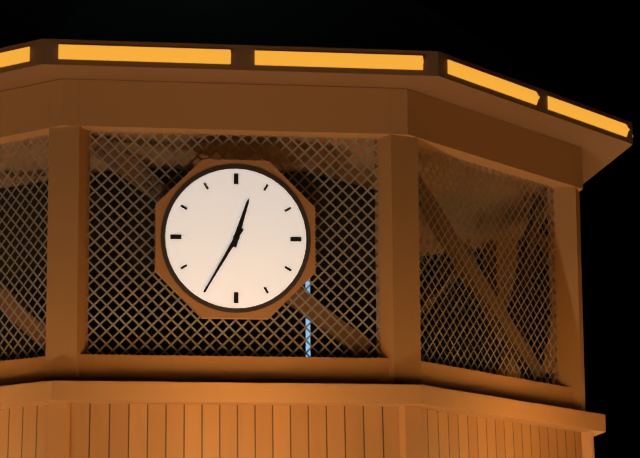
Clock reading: 12.35
